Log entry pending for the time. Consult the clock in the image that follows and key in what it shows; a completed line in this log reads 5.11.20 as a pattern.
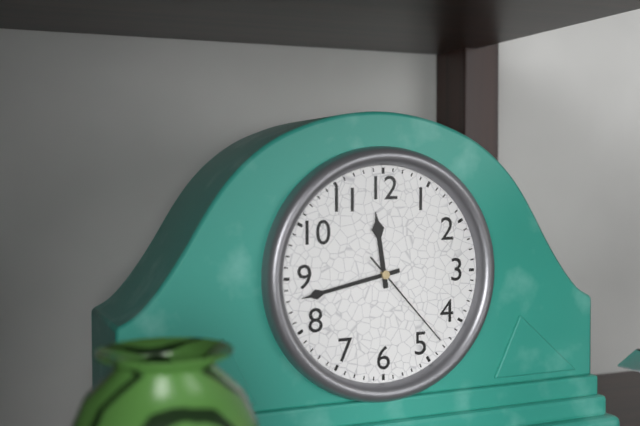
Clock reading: 11.43.23
